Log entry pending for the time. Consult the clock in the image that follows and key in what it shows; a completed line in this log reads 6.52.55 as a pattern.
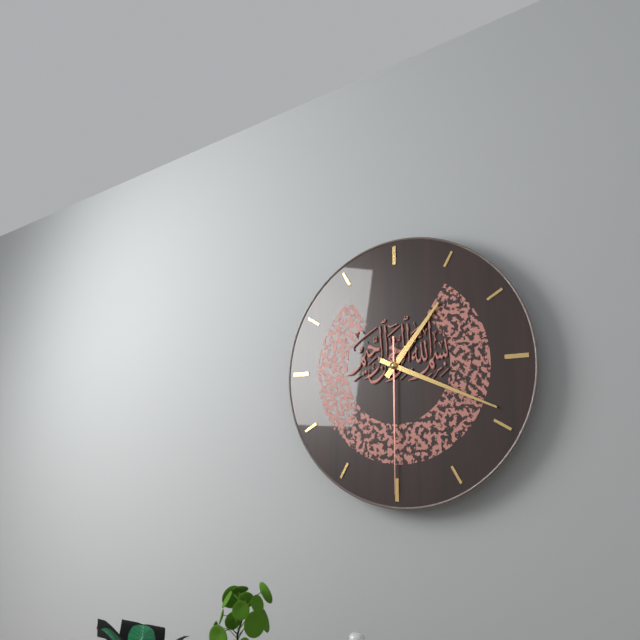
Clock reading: 1.19.30
